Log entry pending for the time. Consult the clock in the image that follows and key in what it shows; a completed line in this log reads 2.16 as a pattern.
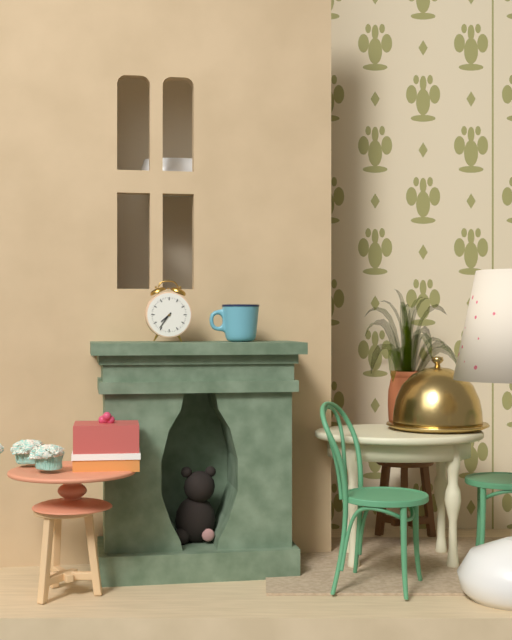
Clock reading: 7.36
